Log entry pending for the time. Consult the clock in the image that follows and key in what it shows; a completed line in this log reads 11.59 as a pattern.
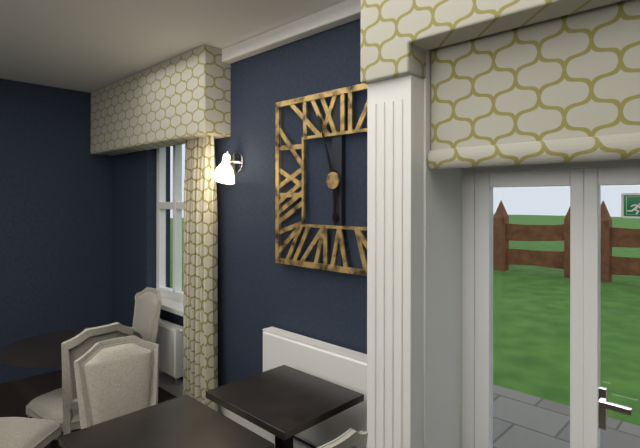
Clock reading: 5.57
